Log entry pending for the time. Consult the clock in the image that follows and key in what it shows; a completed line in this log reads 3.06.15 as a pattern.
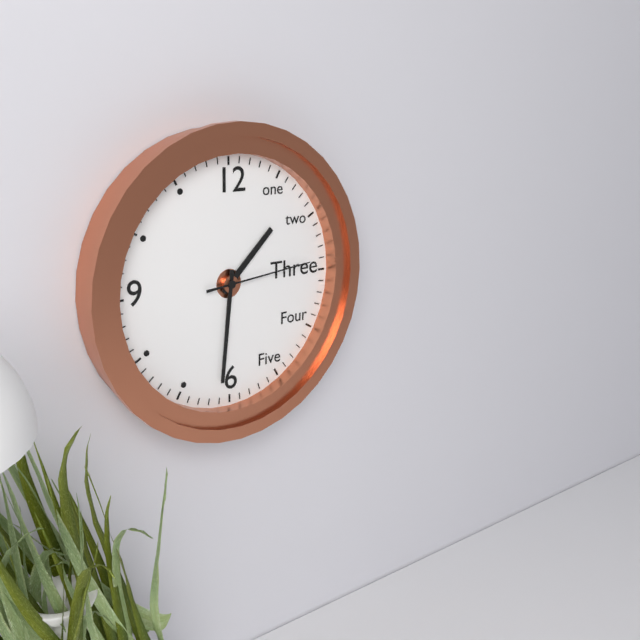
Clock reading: 1.31.14
